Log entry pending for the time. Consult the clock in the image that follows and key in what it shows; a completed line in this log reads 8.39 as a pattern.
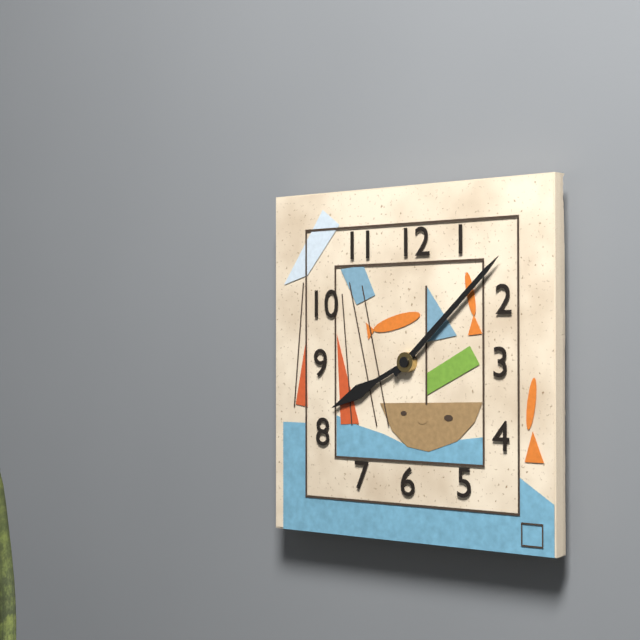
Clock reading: 8.08
